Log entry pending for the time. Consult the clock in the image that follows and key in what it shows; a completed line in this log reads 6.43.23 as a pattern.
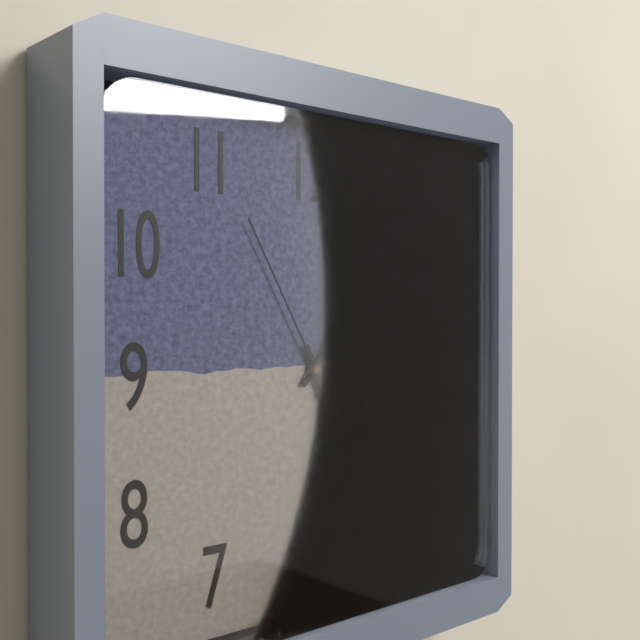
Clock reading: 1.26.55
